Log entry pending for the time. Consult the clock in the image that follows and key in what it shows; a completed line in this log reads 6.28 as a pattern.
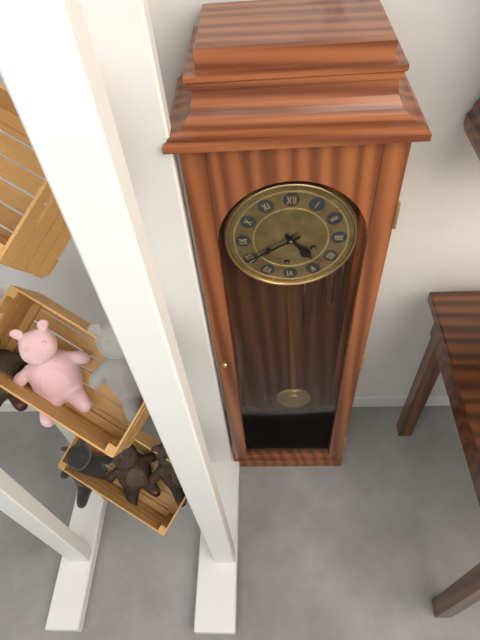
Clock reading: 4.40
